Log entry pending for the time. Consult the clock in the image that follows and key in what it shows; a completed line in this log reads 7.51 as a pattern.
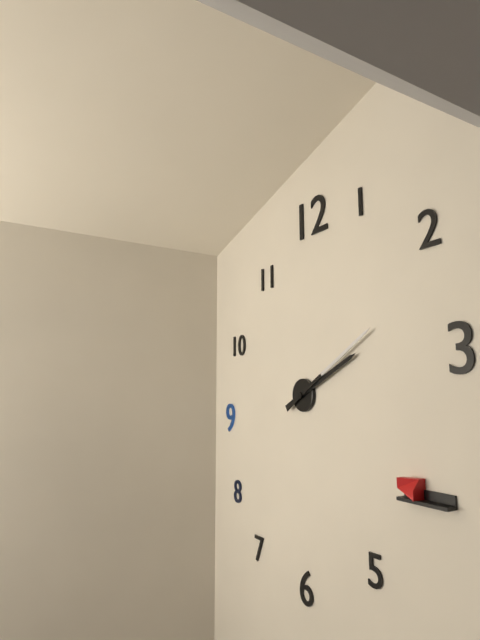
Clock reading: 2.10
